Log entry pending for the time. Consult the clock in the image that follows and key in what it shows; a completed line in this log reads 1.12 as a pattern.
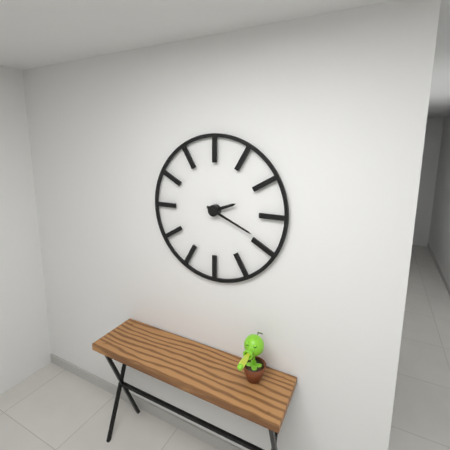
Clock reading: 2.19
